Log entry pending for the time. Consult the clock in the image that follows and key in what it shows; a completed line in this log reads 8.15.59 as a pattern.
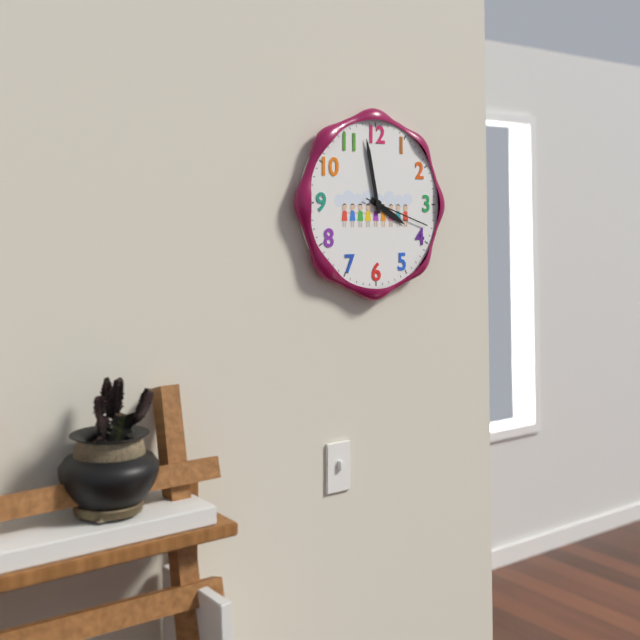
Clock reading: 3.58.18
